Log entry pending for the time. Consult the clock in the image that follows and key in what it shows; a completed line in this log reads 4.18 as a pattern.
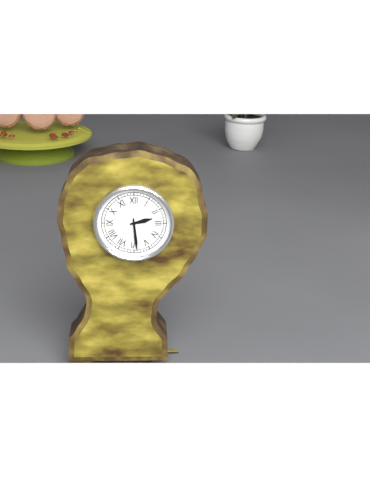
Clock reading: 2.29
